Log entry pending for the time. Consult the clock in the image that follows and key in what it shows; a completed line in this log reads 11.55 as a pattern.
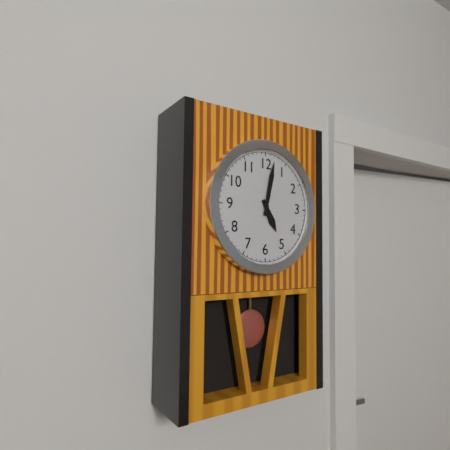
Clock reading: 5.02
